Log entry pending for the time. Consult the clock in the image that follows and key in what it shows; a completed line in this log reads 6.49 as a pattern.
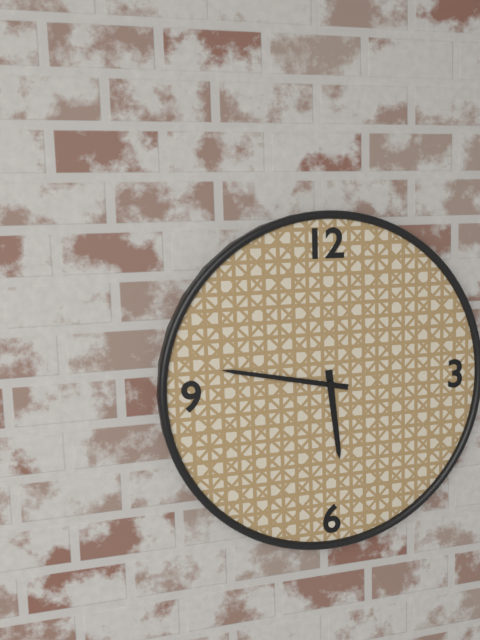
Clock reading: 5.47
